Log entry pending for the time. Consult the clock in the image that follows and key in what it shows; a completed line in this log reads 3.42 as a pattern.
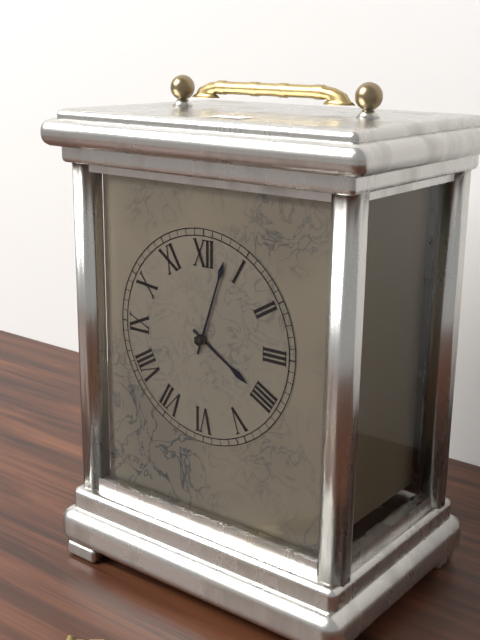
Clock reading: 4.03
